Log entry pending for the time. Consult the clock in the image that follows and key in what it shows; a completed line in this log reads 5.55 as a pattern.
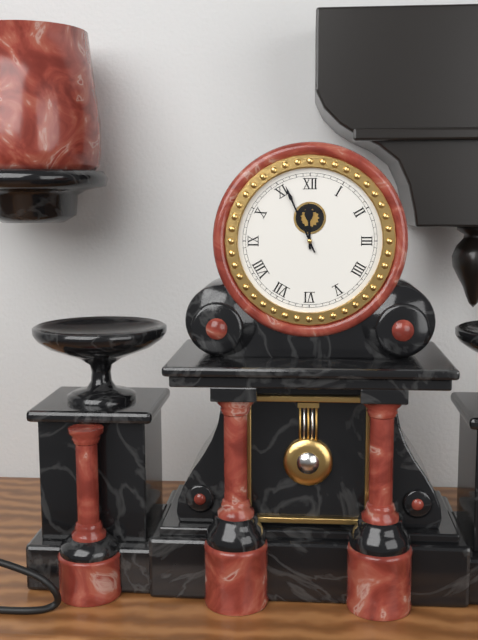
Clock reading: 11.56
